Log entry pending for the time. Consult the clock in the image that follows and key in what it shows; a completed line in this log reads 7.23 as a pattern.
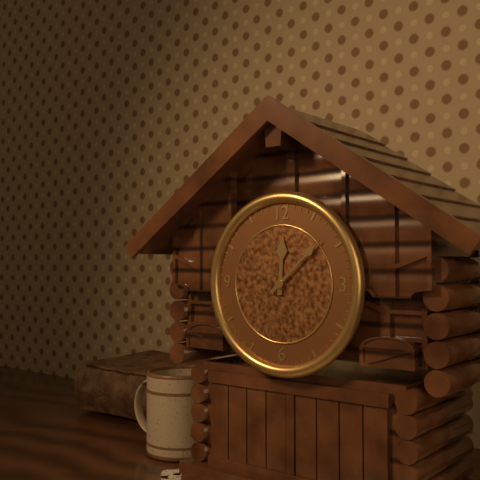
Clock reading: 12.08
